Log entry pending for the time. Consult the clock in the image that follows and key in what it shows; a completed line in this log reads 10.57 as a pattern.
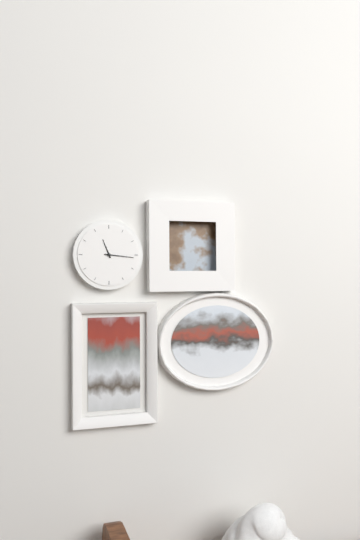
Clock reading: 11.16
